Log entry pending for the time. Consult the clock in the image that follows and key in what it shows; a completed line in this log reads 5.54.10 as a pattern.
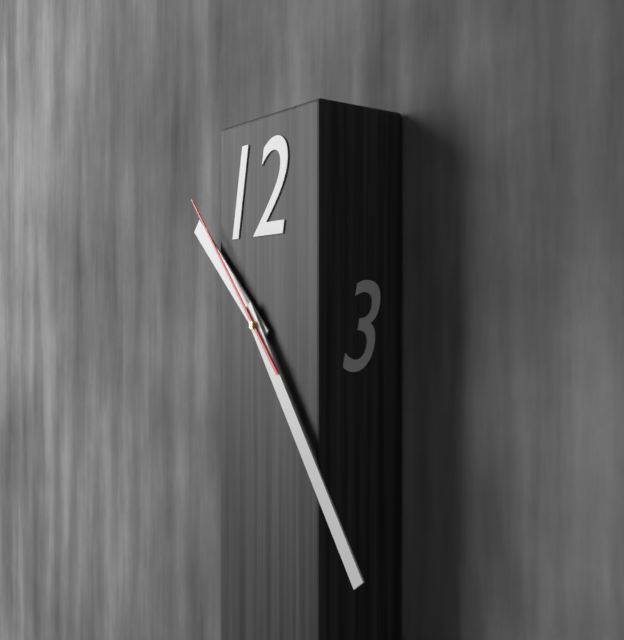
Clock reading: 10.24.53
